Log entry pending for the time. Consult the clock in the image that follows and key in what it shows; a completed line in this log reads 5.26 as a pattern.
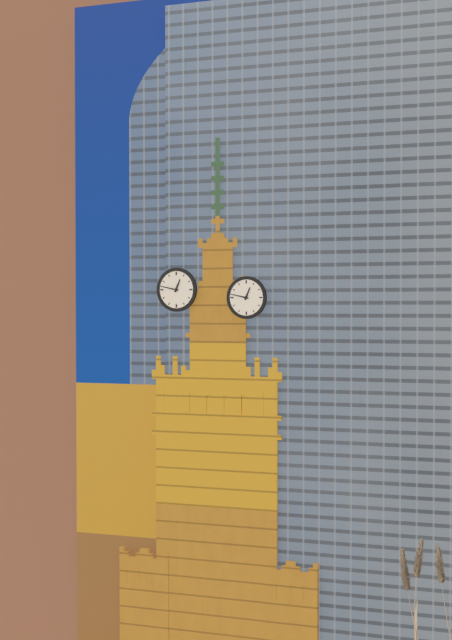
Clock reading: 12.47
